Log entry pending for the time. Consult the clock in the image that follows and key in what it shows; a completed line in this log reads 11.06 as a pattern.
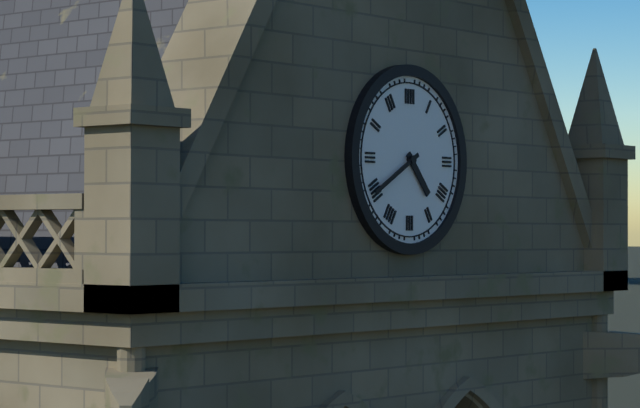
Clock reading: 4.40
